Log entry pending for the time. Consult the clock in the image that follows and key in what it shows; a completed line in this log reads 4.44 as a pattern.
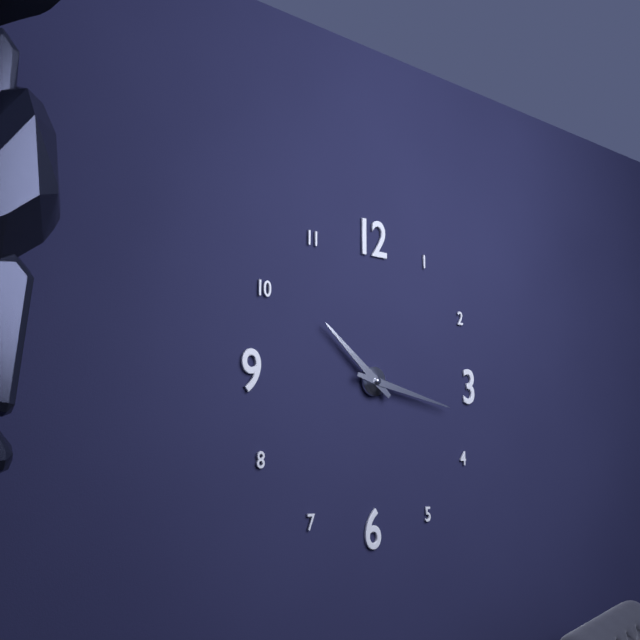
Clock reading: 10.17
